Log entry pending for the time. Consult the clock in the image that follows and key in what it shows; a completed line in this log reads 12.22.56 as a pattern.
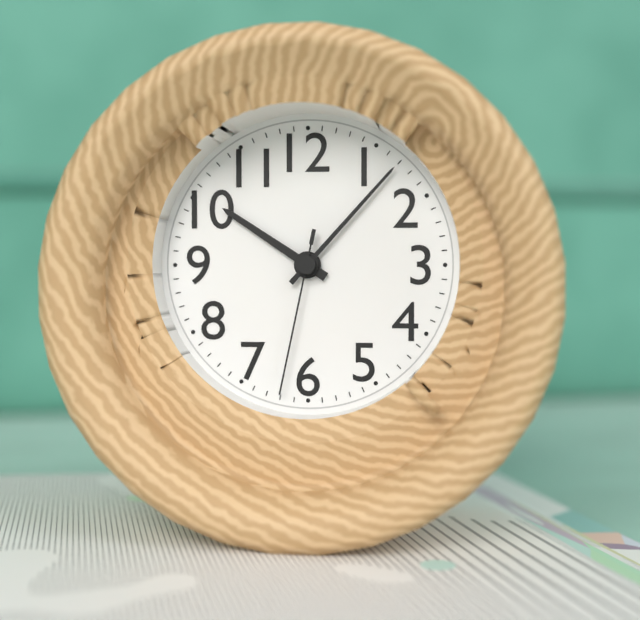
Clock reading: 10.07.32
